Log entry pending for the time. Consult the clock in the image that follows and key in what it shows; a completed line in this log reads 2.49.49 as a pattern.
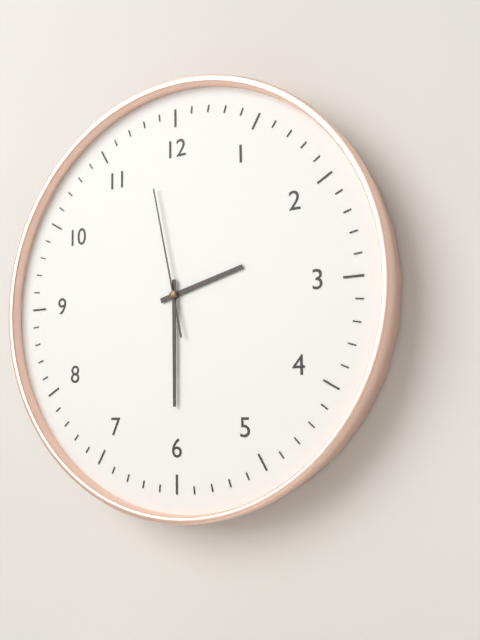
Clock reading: 2.30.58
